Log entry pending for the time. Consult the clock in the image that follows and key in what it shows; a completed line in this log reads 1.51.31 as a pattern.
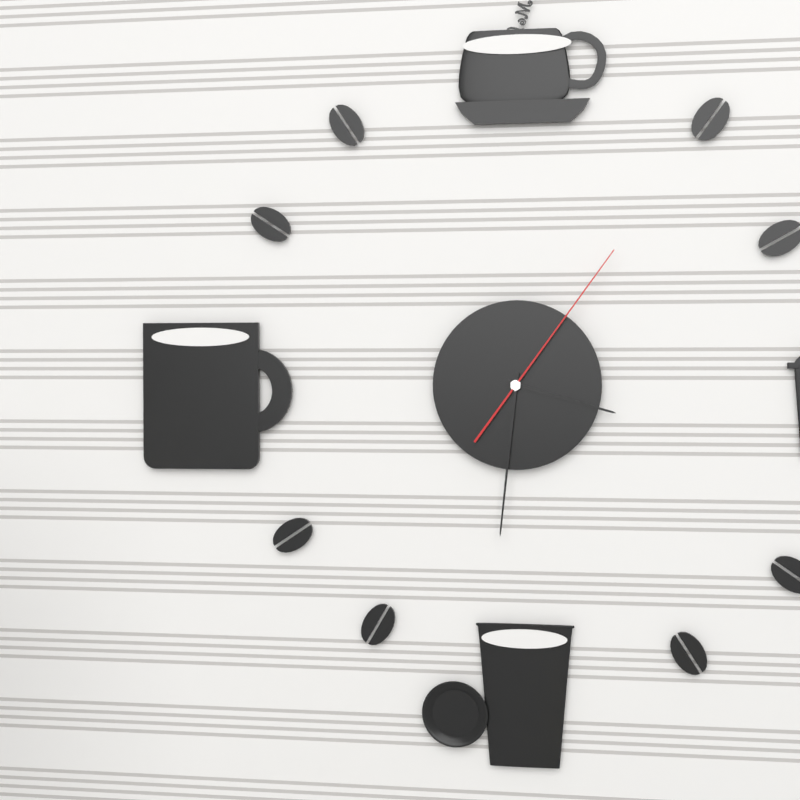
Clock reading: 3.31.06
